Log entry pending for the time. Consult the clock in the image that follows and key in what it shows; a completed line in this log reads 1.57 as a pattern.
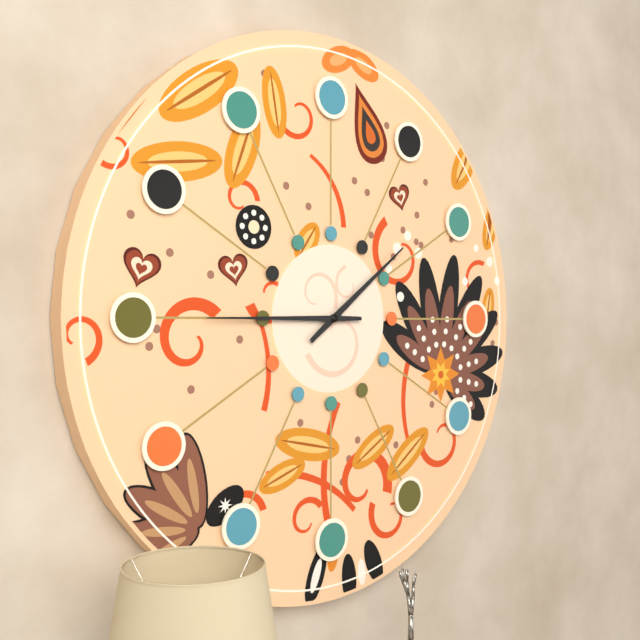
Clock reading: 1.45
